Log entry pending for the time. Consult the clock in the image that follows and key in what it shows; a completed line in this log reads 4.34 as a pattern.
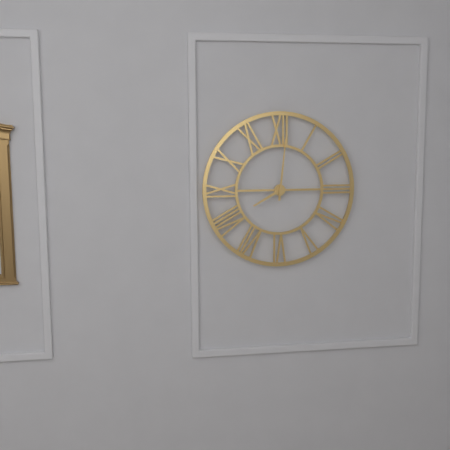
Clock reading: 8.01
